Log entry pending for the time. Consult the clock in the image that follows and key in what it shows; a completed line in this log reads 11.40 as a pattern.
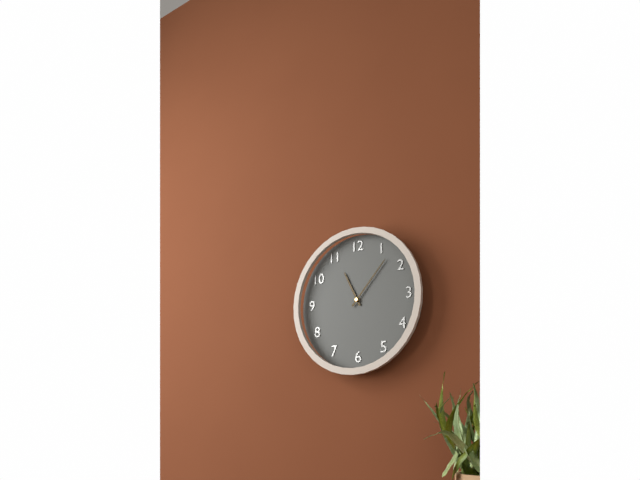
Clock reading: 11.07
